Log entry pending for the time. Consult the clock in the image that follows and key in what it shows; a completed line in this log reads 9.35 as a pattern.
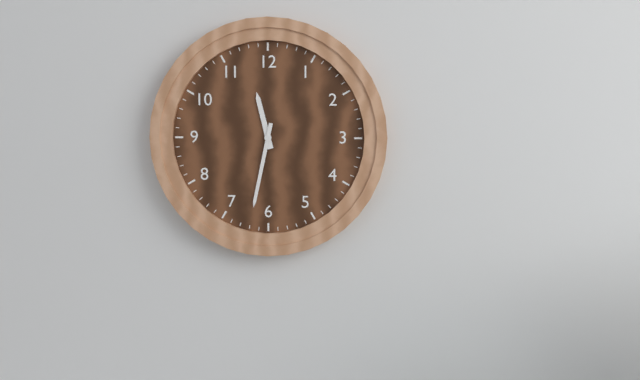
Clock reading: 11.32
